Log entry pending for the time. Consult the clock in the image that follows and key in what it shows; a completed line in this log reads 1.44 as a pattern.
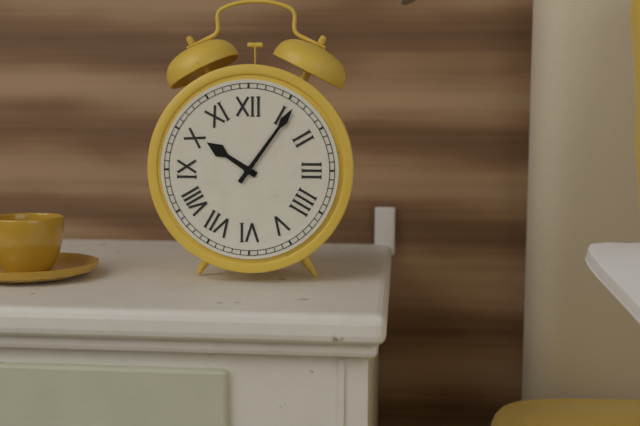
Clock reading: 10.06
